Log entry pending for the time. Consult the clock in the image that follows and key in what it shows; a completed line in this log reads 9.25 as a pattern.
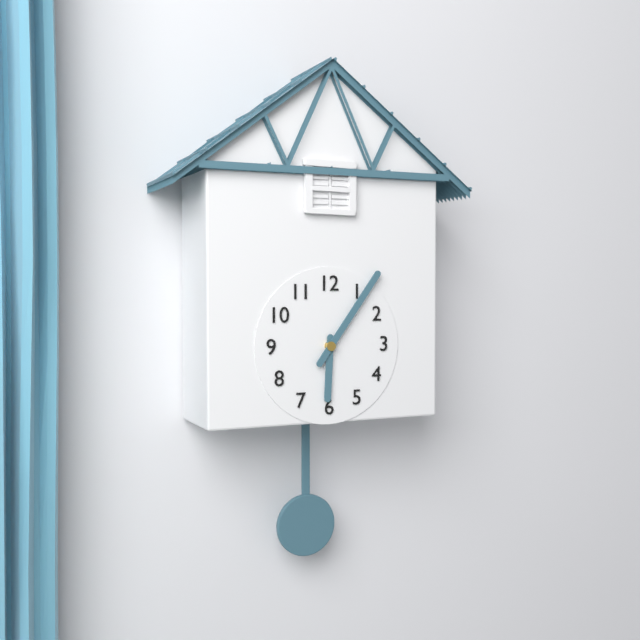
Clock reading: 6.06
